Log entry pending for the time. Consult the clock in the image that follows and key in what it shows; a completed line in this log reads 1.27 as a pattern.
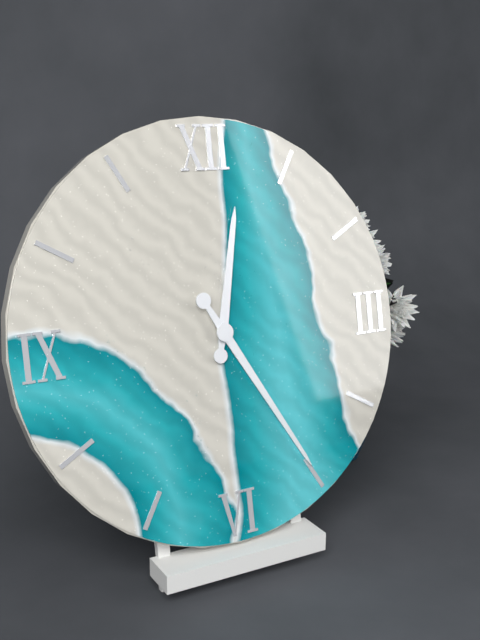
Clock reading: 12.25
